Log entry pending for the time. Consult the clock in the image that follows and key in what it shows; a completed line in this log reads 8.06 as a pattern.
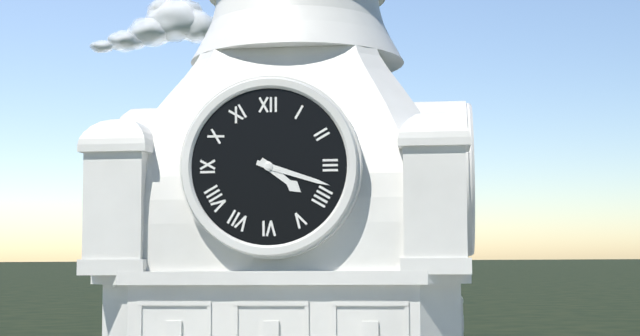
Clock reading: 4.18
